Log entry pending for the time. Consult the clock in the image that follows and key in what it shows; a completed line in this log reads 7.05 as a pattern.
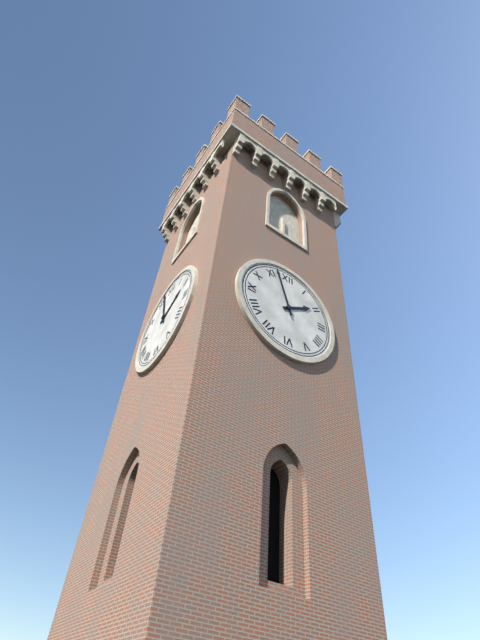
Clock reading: 1.57
